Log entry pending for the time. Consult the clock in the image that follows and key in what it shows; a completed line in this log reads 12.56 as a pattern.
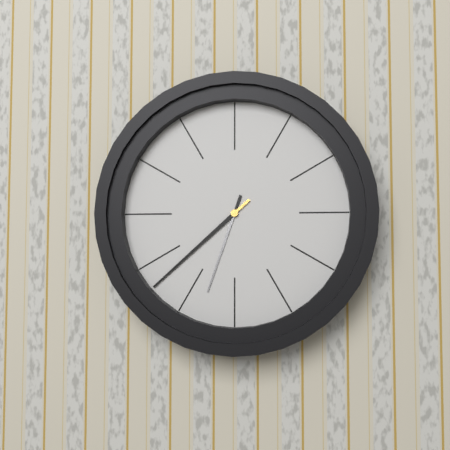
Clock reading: 6.38
